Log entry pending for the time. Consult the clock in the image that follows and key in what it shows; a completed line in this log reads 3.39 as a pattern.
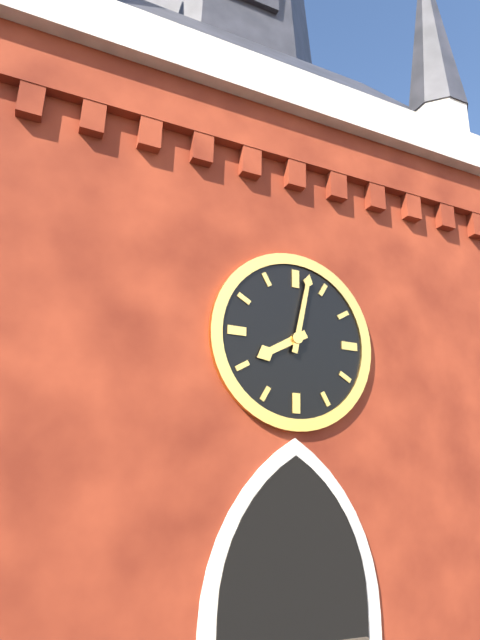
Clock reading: 8.02
